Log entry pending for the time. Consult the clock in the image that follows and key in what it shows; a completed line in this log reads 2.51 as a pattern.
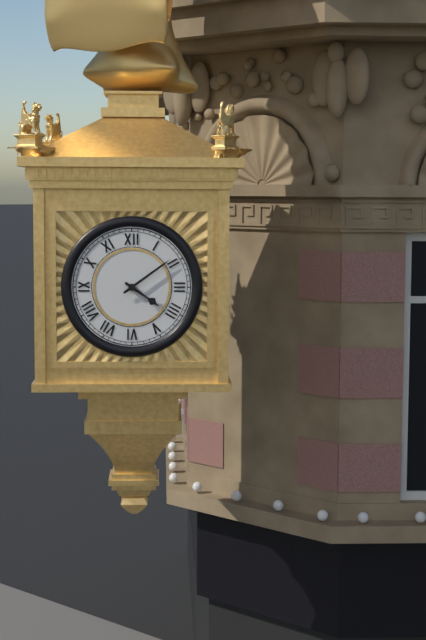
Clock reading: 4.09
